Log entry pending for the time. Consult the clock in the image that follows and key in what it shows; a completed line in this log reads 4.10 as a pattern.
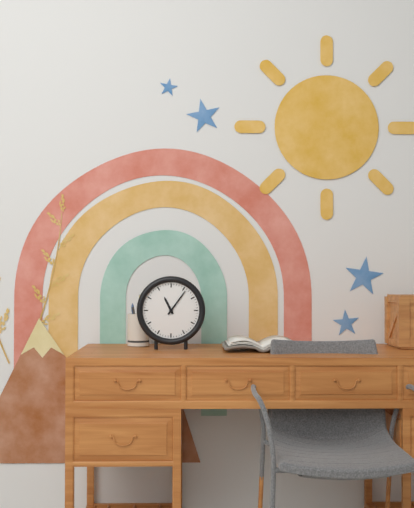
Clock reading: 11.06
